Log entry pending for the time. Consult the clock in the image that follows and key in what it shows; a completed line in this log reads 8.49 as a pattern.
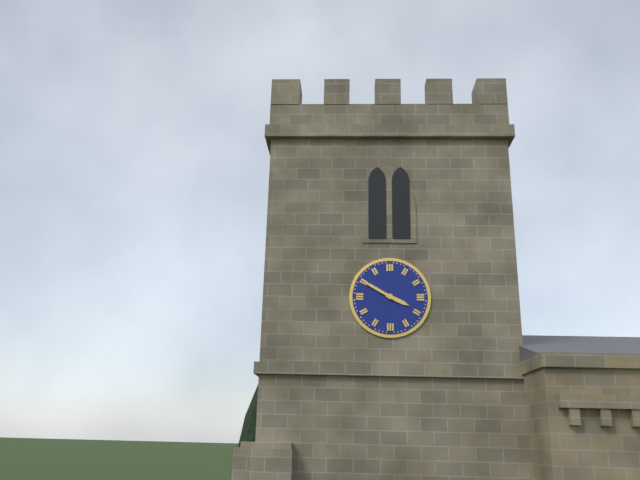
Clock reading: 3.50
